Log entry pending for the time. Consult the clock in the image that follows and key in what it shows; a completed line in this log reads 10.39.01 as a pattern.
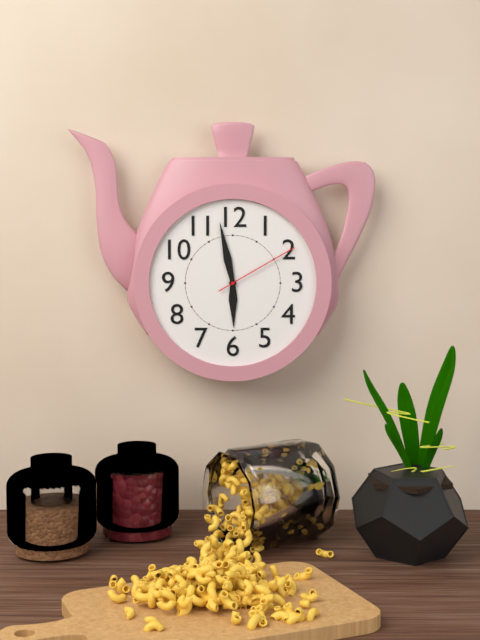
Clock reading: 5.58.10
